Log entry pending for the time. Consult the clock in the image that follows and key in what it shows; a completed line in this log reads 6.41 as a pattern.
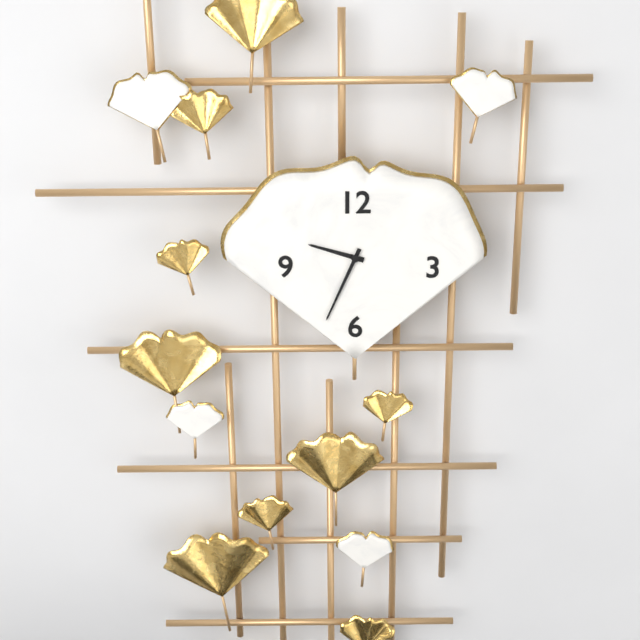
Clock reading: 9.34
